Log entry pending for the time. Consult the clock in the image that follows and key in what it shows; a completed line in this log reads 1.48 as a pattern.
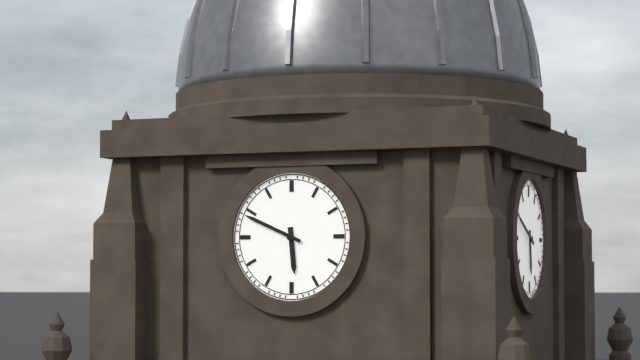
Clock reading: 5.49
